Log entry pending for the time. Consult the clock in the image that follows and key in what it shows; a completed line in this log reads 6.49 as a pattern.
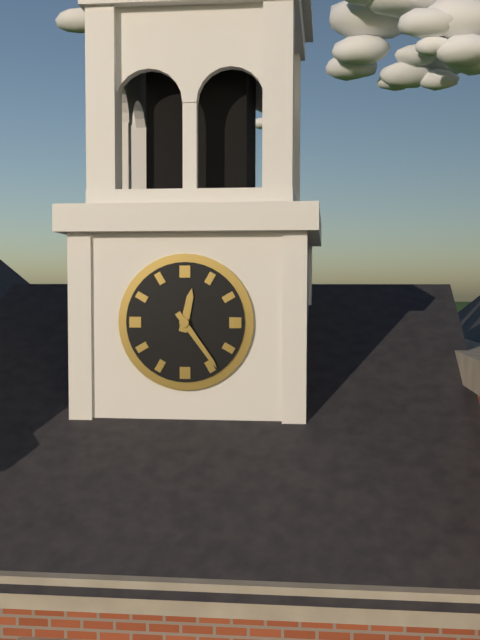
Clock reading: 12.24
